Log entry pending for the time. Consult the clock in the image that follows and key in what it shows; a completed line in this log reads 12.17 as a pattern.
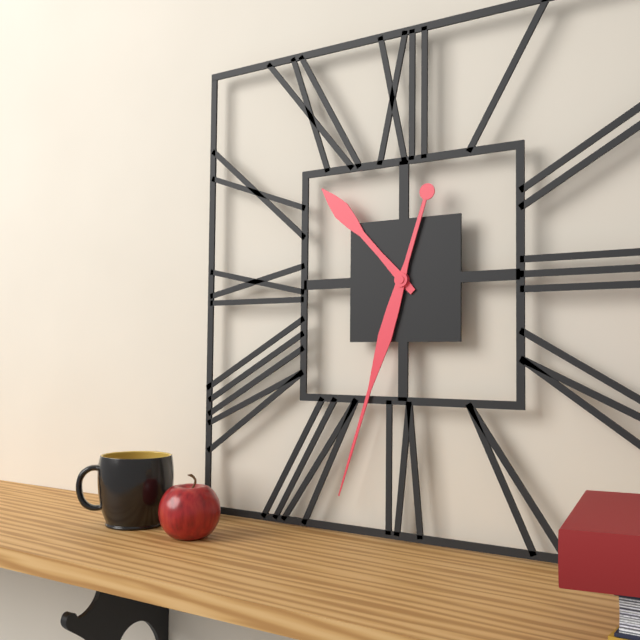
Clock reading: 10.33
